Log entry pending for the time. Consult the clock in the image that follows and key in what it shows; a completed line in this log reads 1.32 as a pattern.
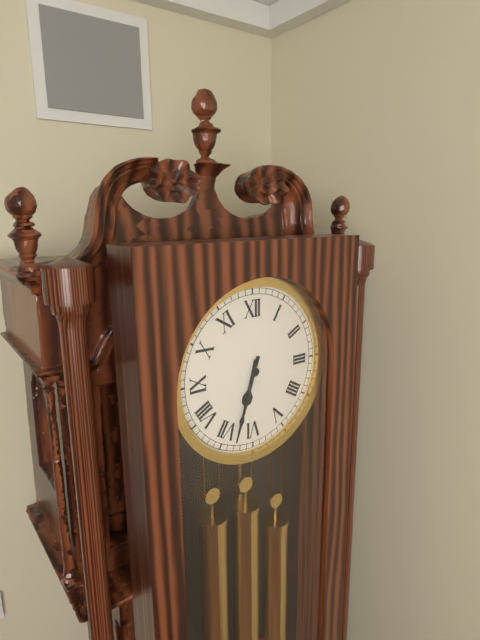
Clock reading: 6.33
